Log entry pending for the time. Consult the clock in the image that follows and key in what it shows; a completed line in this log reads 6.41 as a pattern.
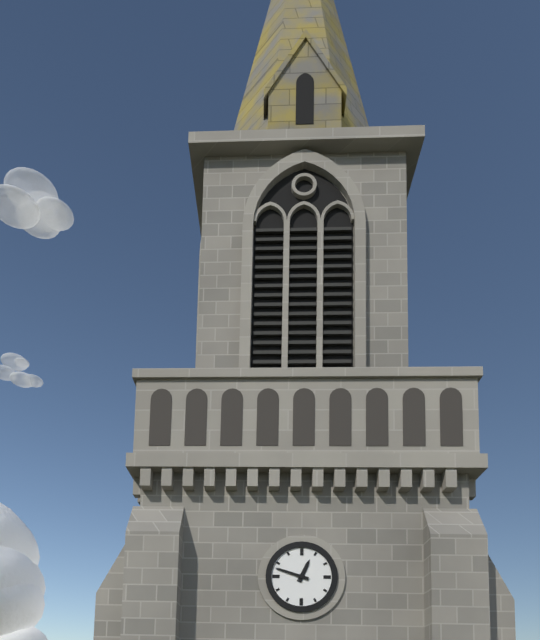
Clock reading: 12.48
